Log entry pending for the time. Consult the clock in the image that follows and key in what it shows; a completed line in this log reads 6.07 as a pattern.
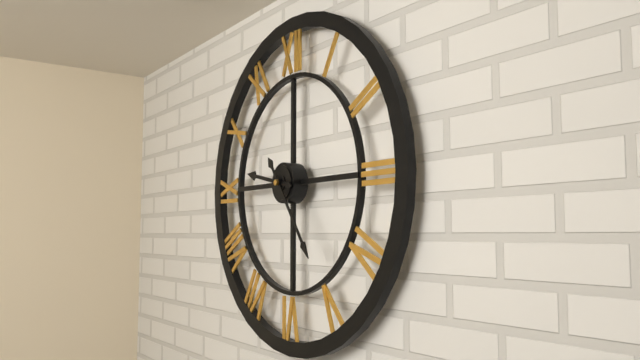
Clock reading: 9.24
